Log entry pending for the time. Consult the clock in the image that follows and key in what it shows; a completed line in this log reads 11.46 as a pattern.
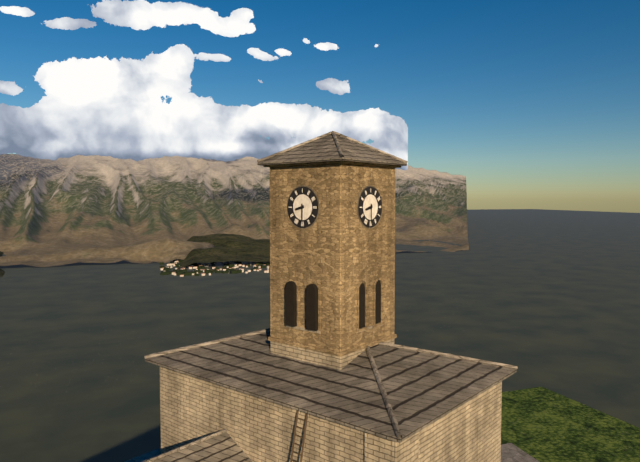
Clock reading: 8.30
